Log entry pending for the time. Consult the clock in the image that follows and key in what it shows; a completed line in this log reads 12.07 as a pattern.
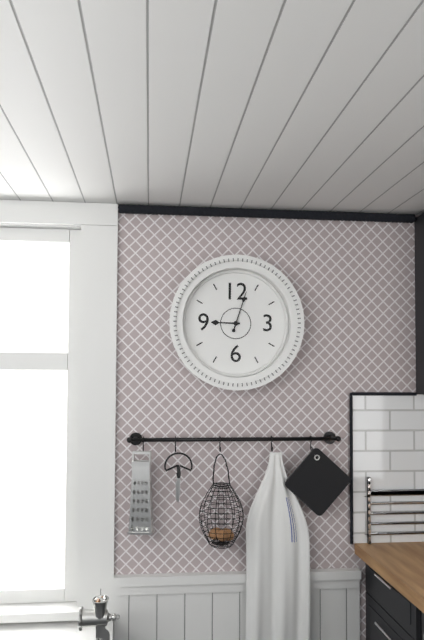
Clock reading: 9.03
